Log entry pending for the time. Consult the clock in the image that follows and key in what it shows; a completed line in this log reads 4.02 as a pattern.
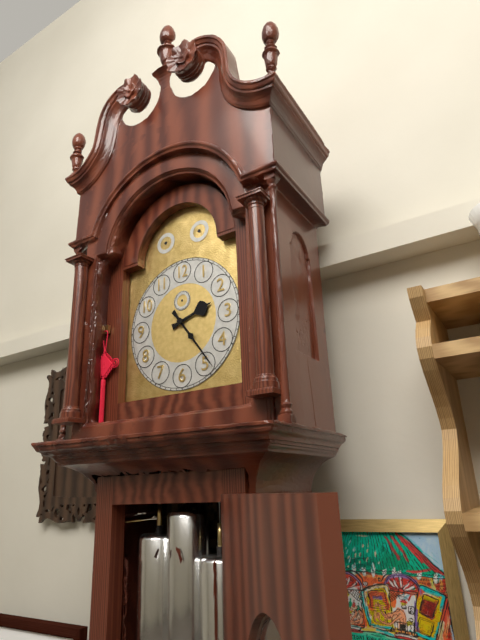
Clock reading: 2.24
